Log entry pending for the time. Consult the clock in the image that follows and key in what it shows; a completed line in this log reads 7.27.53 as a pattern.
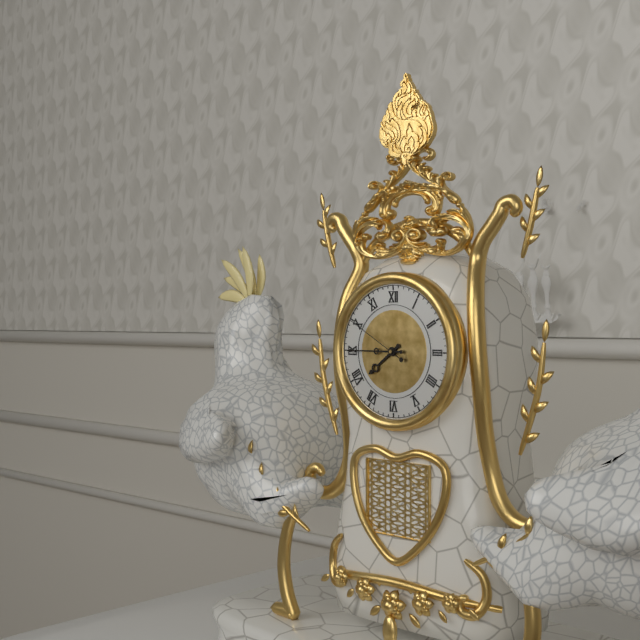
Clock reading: 7.45.50
